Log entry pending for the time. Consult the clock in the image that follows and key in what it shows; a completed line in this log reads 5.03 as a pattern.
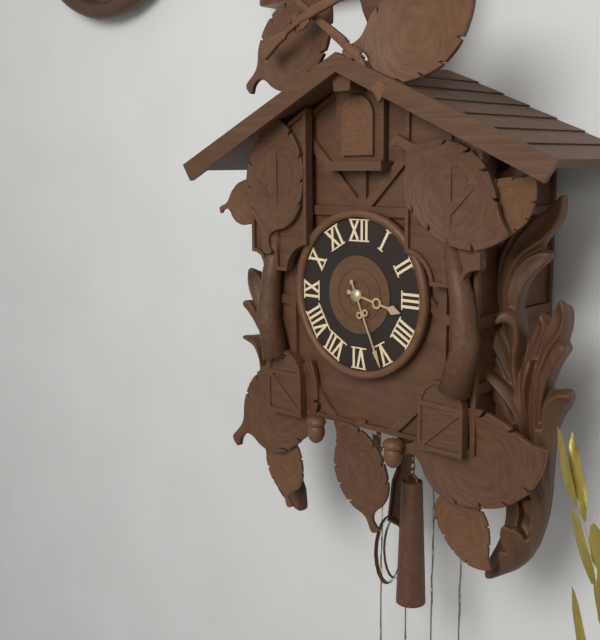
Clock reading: 3.26
